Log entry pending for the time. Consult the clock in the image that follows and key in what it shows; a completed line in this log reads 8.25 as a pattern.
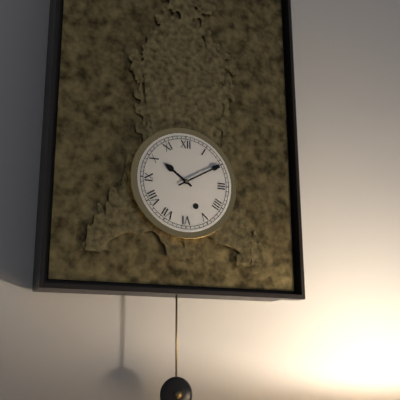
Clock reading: 10.10
